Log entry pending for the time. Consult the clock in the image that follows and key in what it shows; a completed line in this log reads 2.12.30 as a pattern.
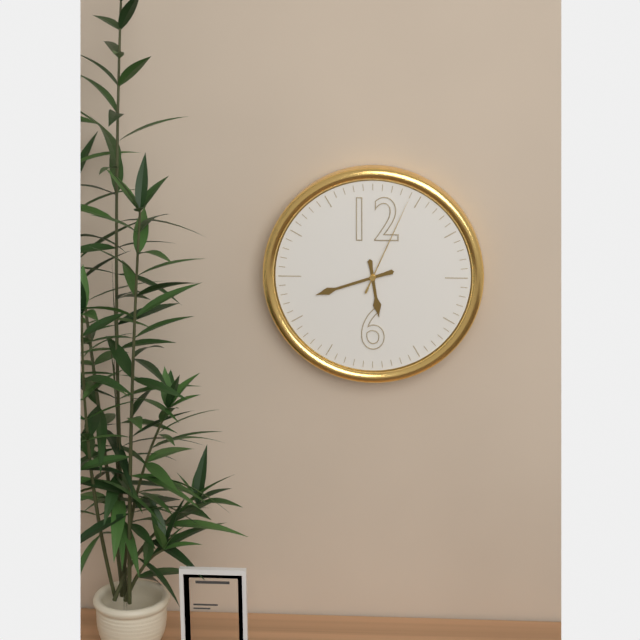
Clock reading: 5.42.04
